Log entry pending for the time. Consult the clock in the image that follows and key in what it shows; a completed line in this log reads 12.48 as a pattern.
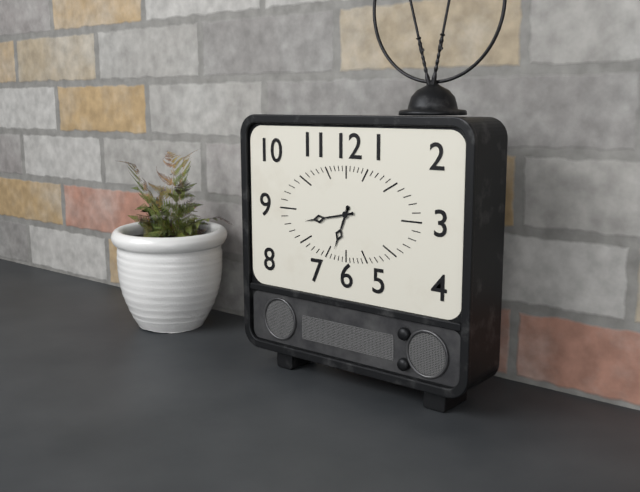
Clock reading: 6.43
